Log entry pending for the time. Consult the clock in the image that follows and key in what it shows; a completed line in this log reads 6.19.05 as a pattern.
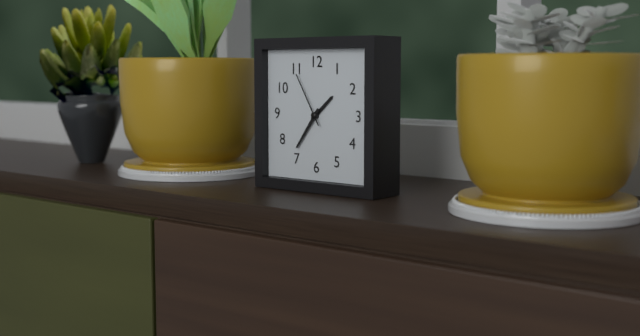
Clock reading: 1.36.55
